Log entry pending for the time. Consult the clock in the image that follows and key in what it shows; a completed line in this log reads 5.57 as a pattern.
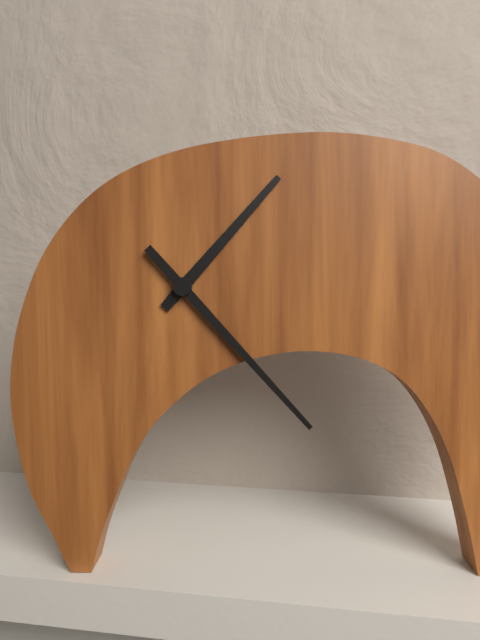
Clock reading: 1.23
